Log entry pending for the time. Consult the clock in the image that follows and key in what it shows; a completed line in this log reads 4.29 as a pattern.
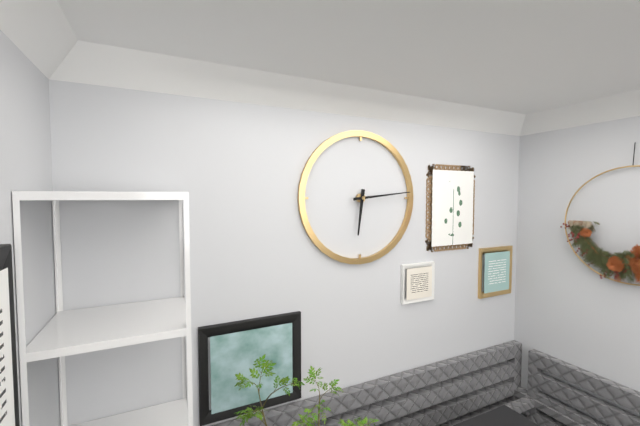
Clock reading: 6.14
